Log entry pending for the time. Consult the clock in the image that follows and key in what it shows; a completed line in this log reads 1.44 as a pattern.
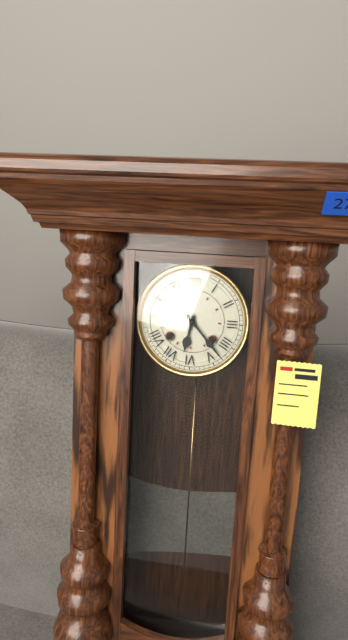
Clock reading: 6.23
